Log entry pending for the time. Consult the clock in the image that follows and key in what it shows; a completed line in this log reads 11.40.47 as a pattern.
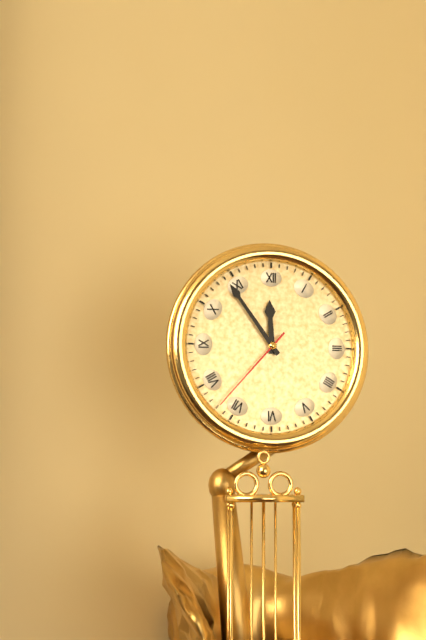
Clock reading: 11.54.37
